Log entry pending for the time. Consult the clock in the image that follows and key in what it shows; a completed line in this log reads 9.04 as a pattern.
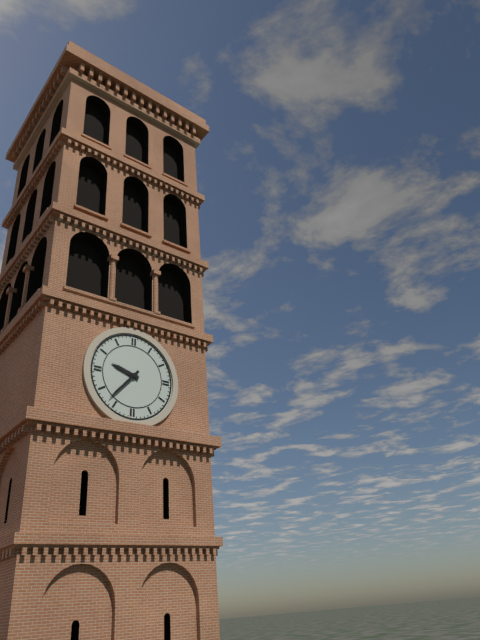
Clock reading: 9.37
